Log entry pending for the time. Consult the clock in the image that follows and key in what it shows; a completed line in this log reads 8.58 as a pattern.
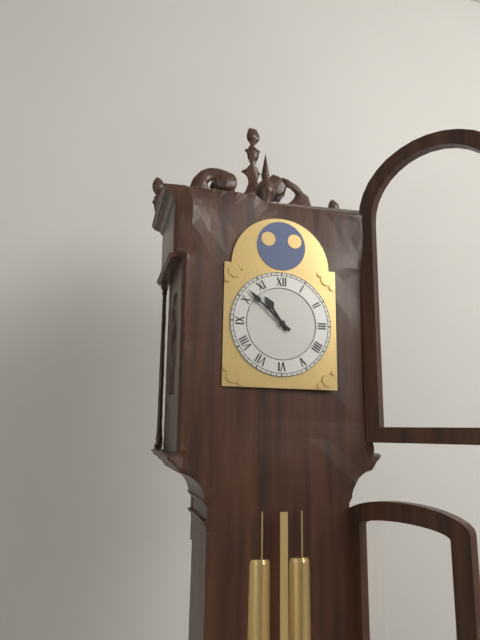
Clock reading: 10.52
